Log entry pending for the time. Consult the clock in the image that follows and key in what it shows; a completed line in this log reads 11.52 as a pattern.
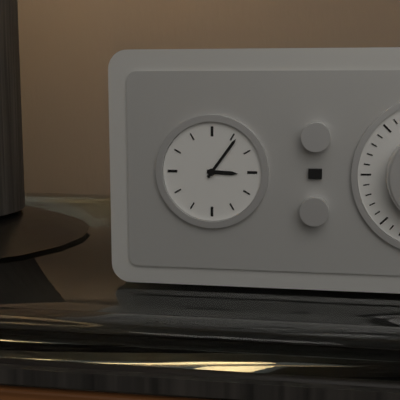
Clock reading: 3.06
